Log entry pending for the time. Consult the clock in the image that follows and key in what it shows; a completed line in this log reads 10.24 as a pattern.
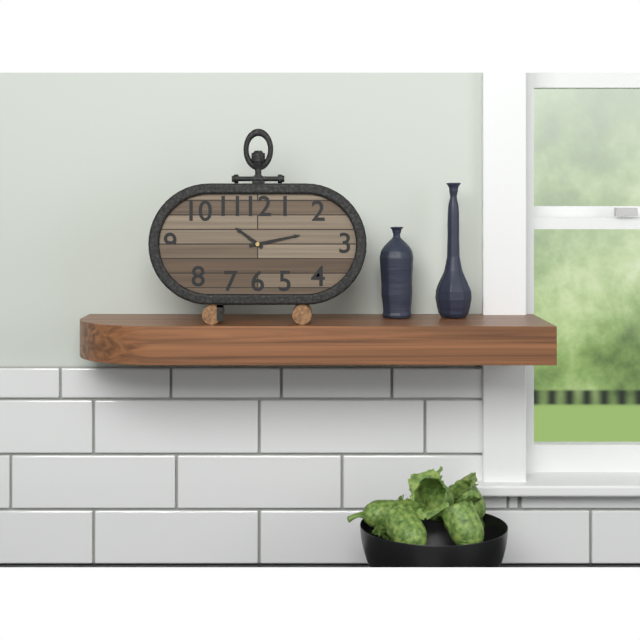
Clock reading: 10.13
